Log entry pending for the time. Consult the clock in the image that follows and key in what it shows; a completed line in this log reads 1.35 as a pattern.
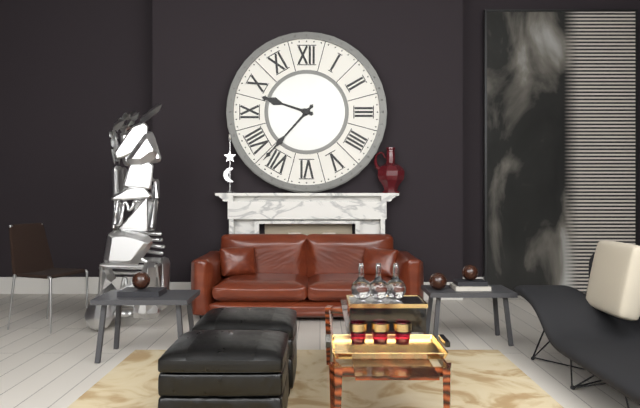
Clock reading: 9.37
